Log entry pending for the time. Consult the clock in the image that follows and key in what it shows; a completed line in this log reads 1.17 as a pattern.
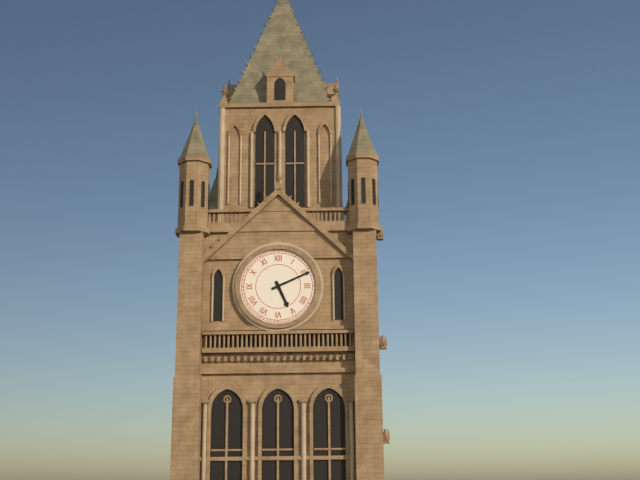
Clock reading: 5.11
